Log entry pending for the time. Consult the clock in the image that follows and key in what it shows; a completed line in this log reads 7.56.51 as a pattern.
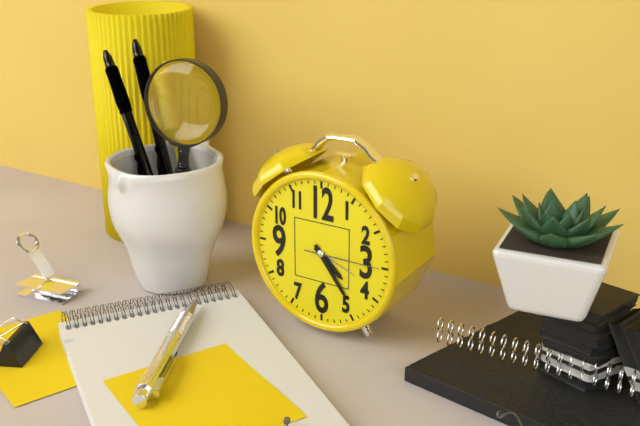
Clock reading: 4.24.15
